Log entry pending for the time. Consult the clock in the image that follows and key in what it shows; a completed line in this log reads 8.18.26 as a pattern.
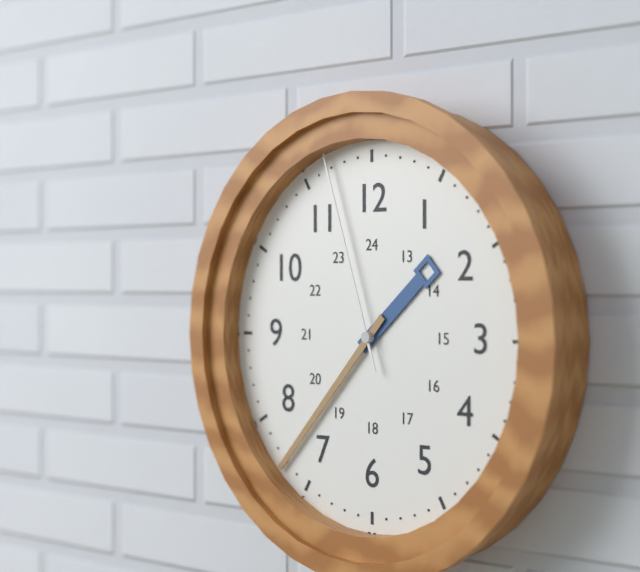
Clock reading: 1.37.57
